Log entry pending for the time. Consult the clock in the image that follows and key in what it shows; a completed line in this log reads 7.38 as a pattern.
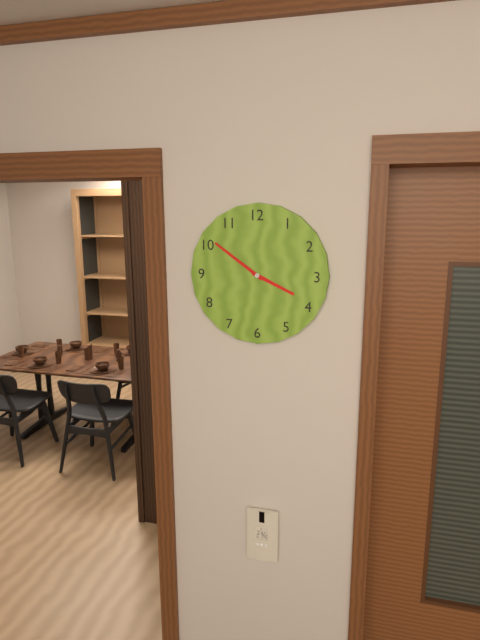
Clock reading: 3.51
